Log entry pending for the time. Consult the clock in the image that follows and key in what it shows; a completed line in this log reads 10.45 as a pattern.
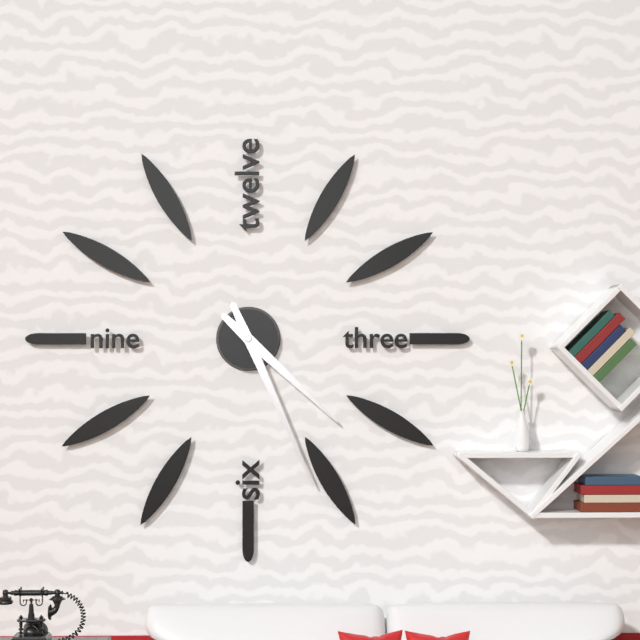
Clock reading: 4.26
